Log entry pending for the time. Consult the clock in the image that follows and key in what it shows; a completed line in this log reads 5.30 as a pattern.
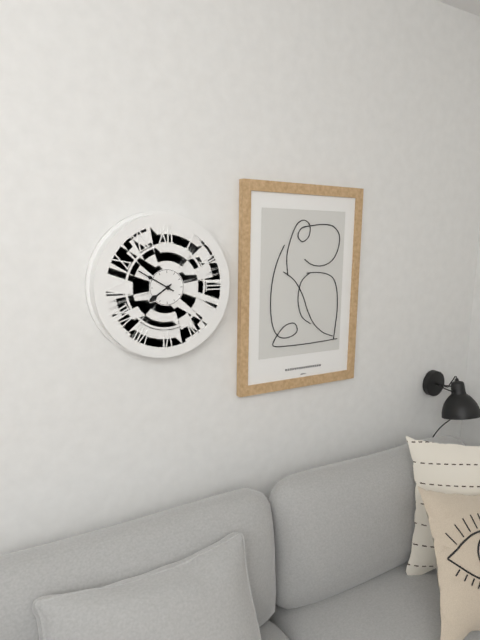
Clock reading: 7.50
